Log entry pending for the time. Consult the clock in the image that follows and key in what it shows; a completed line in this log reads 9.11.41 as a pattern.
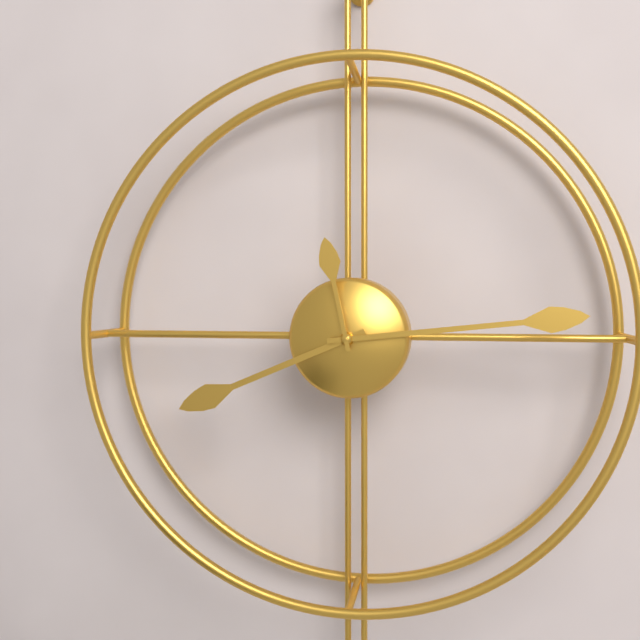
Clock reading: 8.14.58
